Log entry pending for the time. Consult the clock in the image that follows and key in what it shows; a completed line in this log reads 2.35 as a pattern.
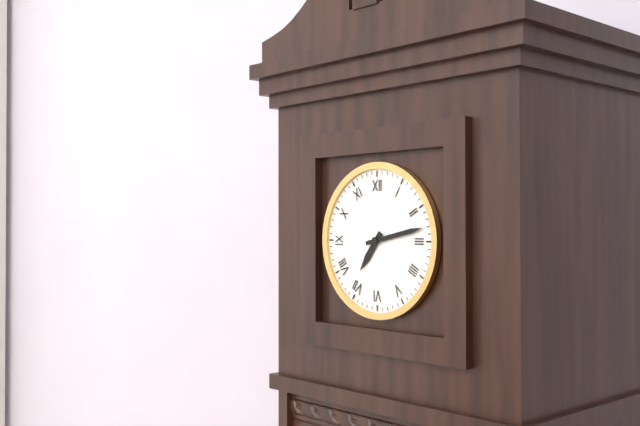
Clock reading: 7.13
